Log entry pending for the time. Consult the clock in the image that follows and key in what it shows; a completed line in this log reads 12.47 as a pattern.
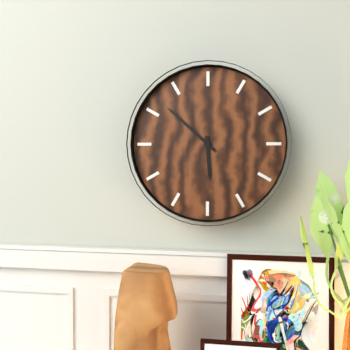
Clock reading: 5.52
